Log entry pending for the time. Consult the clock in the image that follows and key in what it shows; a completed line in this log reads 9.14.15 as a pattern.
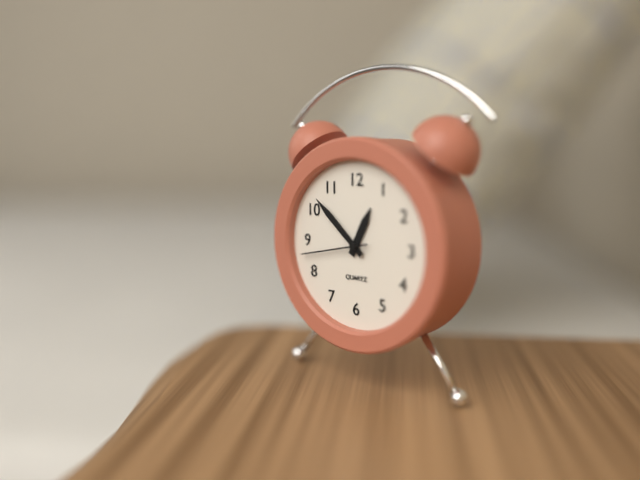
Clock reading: 12.52.43
